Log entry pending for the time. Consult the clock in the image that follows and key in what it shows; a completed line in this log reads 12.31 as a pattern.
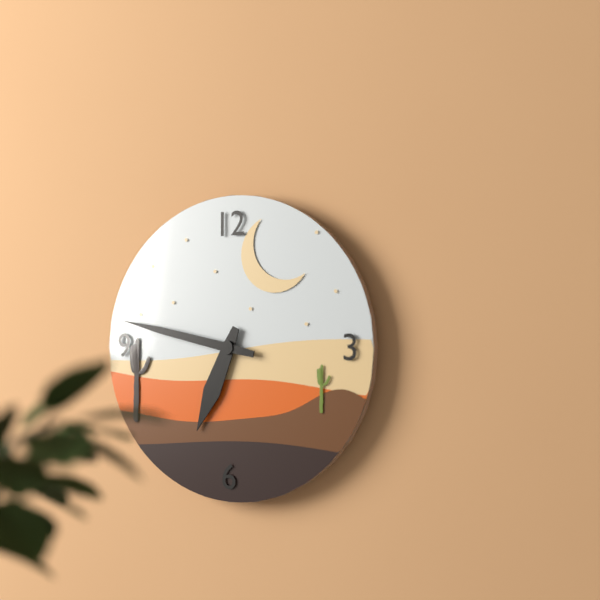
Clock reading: 6.47
